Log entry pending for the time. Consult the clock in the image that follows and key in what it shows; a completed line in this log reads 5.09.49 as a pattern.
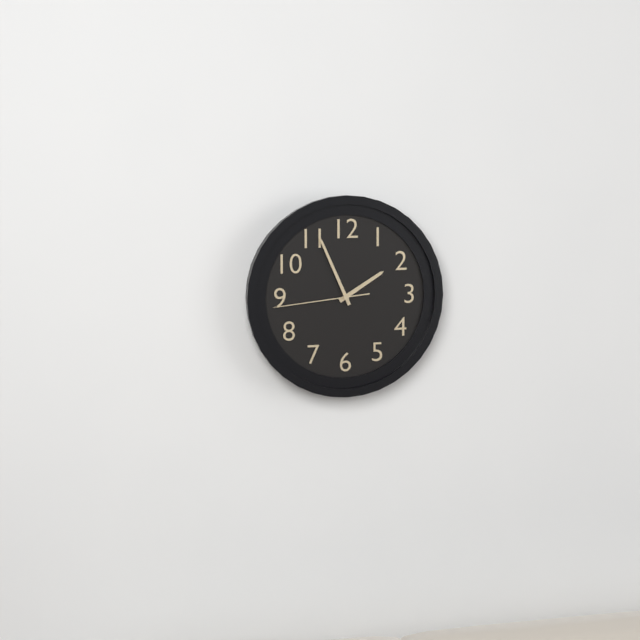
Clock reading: 1.56.44
